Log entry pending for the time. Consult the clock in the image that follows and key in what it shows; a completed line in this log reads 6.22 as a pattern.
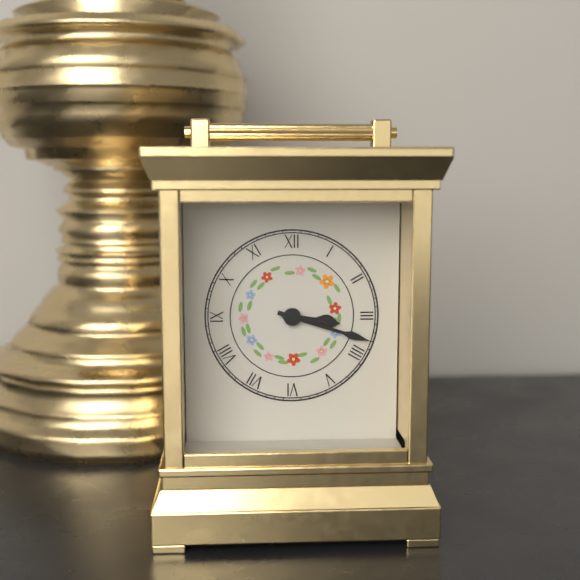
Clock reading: 3.18
